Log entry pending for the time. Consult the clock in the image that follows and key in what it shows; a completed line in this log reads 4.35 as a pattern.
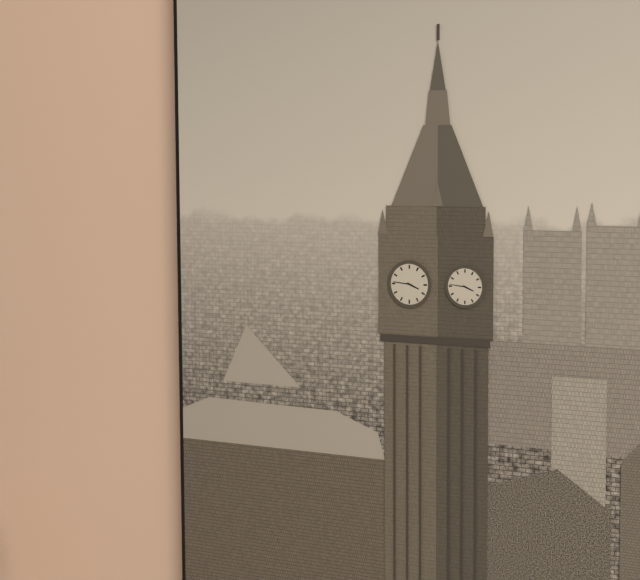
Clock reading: 3.46
